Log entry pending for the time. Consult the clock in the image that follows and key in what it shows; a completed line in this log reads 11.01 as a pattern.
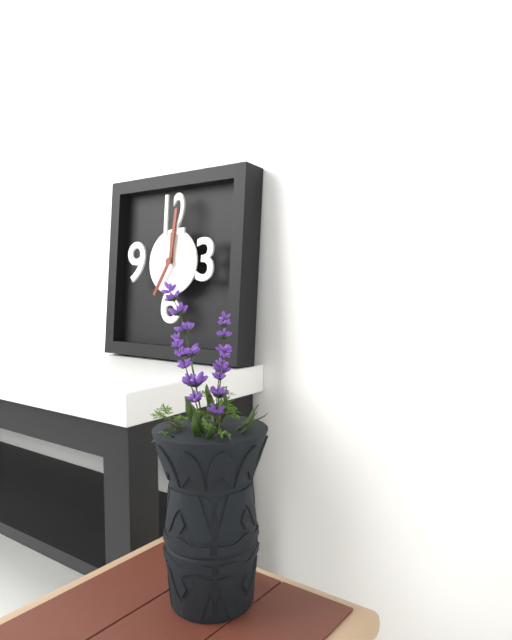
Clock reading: 12.01
